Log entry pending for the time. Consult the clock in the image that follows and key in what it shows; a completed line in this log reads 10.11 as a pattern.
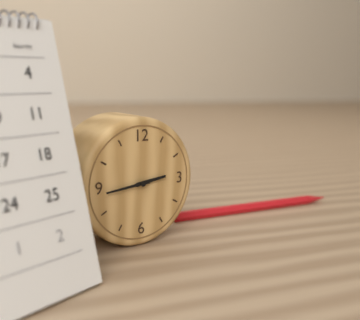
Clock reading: 2.44
